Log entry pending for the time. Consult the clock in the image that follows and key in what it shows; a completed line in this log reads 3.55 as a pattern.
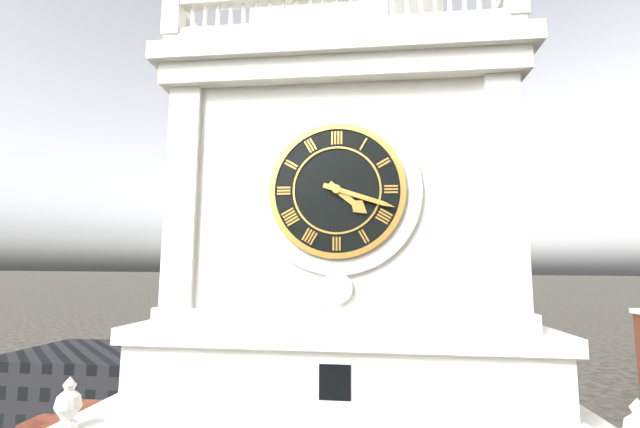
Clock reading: 4.18
